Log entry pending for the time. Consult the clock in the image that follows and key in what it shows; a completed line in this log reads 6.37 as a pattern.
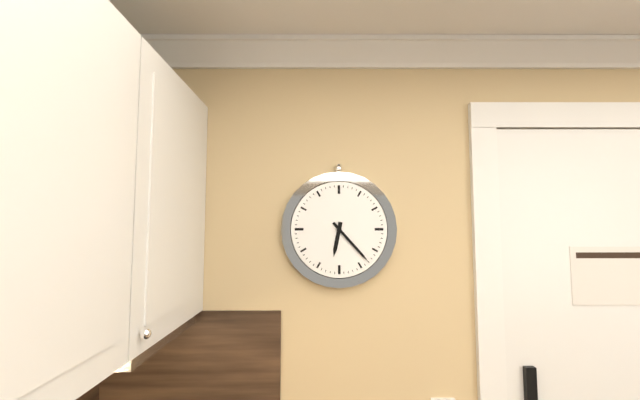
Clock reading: 6.23
